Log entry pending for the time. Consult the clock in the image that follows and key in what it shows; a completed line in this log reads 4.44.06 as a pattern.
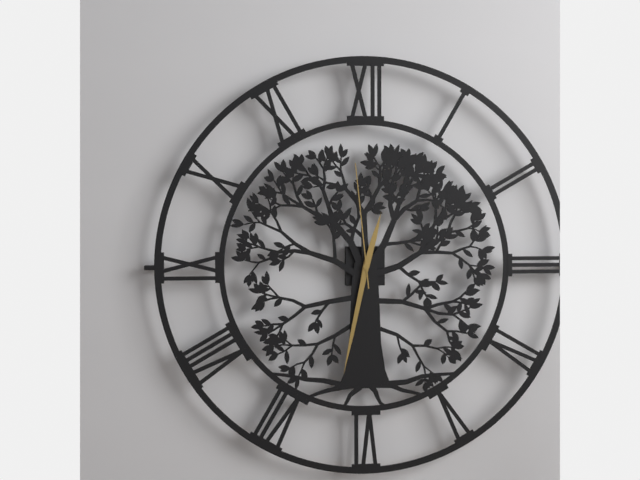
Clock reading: 12.32.59
